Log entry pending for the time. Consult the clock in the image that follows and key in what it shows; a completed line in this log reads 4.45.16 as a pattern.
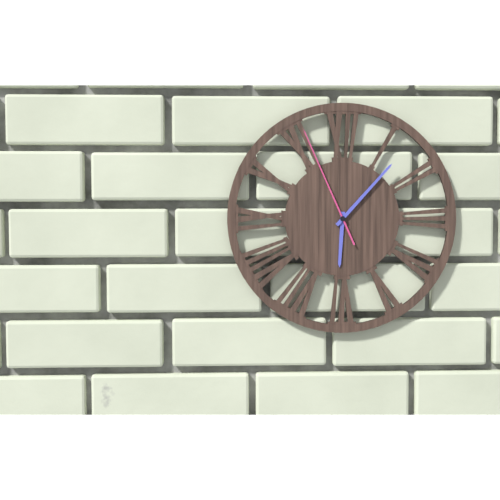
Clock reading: 6.07.56
